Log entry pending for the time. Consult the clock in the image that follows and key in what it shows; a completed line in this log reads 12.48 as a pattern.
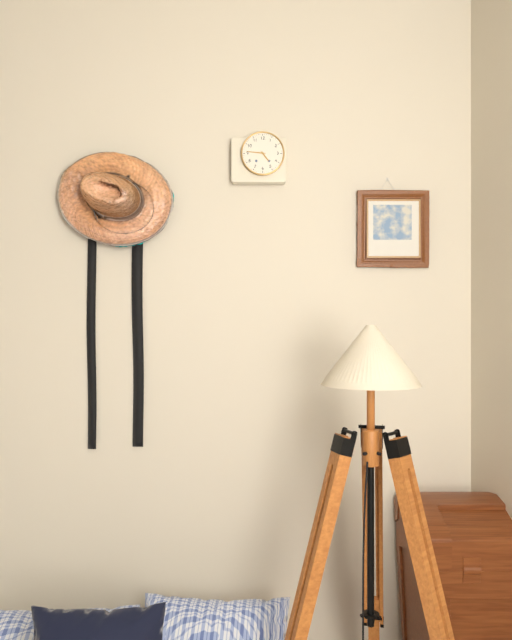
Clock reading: 4.46
